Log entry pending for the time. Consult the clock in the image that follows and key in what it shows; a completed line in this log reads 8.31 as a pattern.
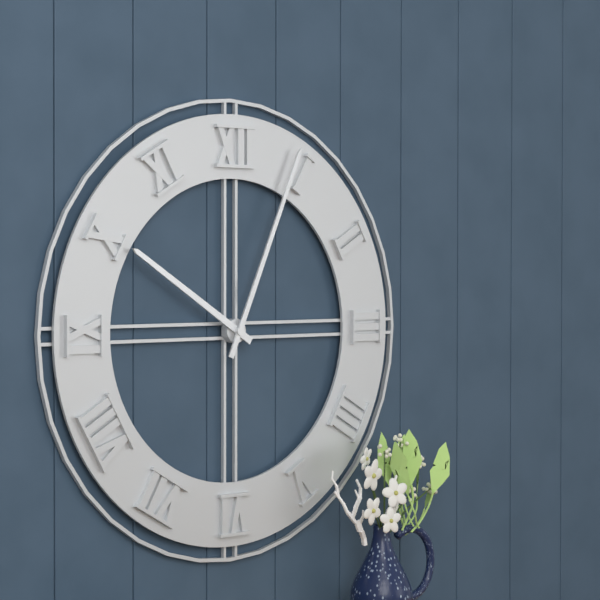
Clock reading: 10.04
